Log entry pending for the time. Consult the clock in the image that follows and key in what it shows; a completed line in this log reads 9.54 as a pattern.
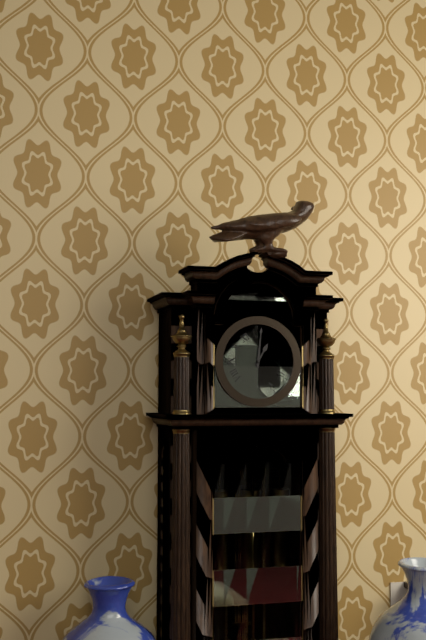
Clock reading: 1.01
